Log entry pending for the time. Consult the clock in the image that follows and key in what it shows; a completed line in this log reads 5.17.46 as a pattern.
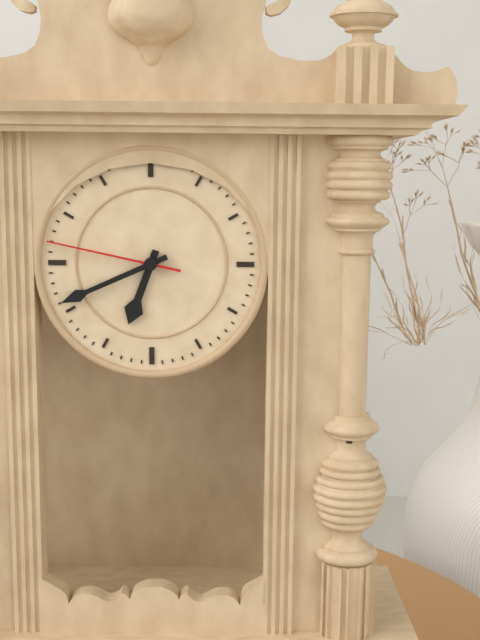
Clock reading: 6.41.47
